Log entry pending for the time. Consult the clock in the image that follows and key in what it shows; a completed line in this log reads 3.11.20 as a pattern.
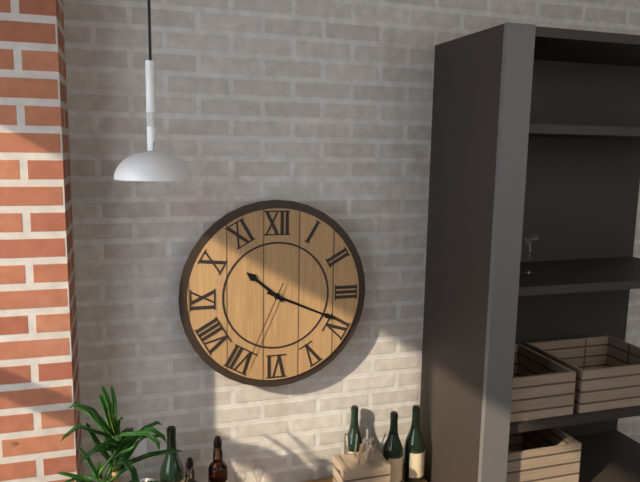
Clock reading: 10.19.34
